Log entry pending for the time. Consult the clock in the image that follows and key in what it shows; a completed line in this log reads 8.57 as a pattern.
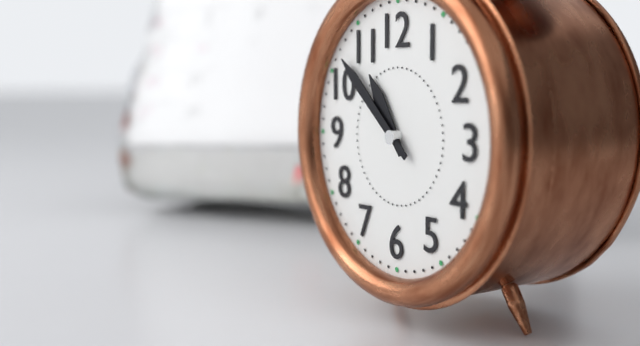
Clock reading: 10.52
